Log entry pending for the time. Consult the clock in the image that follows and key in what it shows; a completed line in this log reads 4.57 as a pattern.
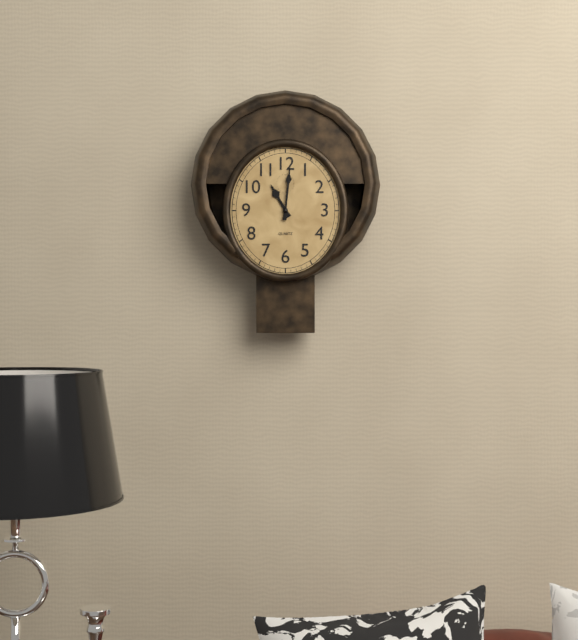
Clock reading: 11.01
